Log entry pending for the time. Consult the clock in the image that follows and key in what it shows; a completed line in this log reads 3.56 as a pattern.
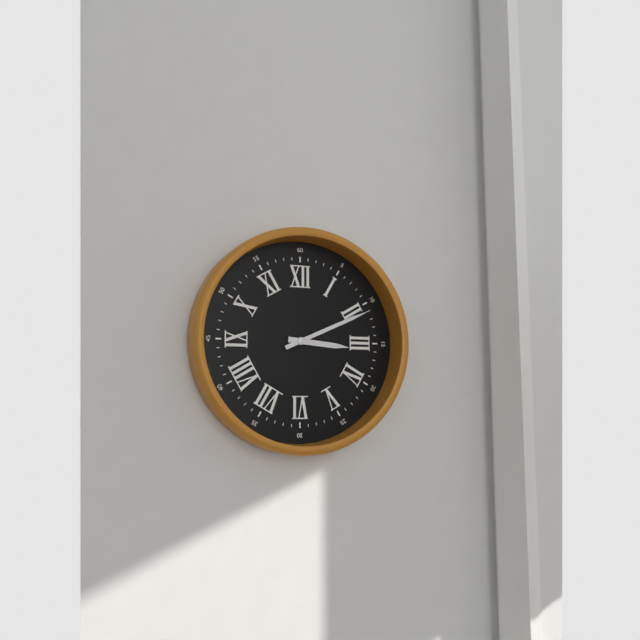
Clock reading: 3.11
